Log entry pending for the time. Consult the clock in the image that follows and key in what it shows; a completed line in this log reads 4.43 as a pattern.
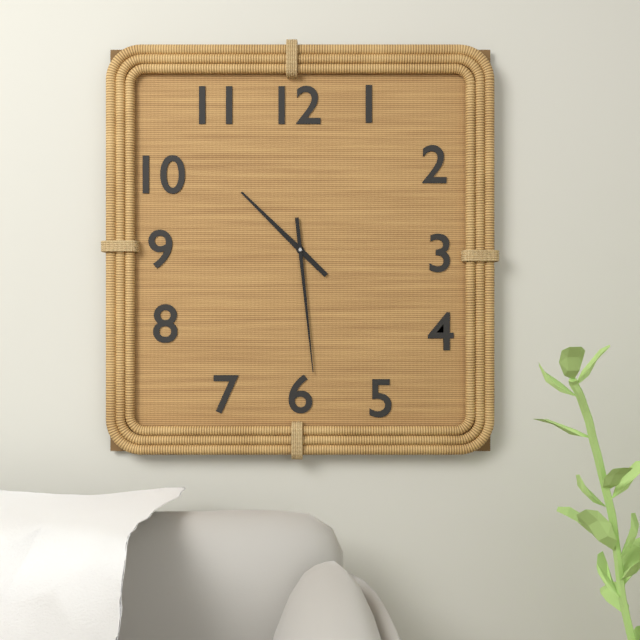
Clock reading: 10.29
